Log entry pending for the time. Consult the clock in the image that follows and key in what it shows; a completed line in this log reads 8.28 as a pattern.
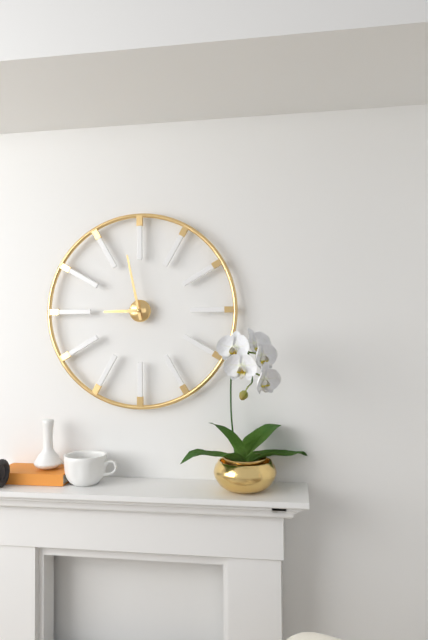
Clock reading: 8.58
